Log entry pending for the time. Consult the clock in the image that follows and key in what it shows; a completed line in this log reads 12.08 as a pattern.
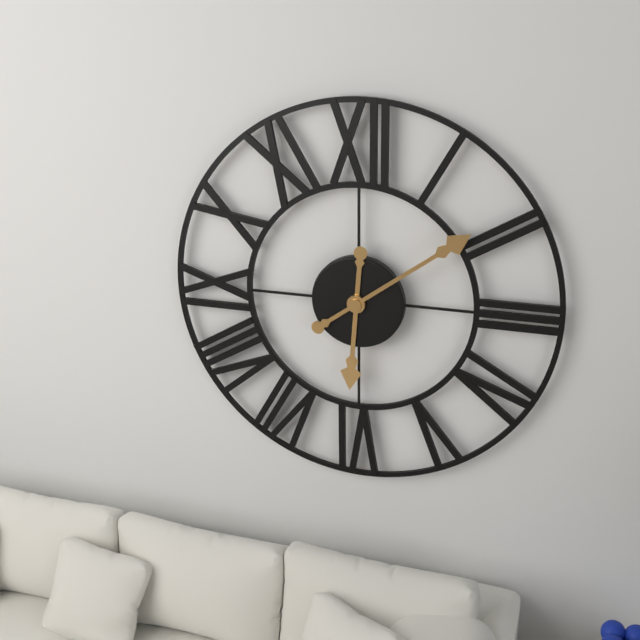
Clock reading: 6.09
